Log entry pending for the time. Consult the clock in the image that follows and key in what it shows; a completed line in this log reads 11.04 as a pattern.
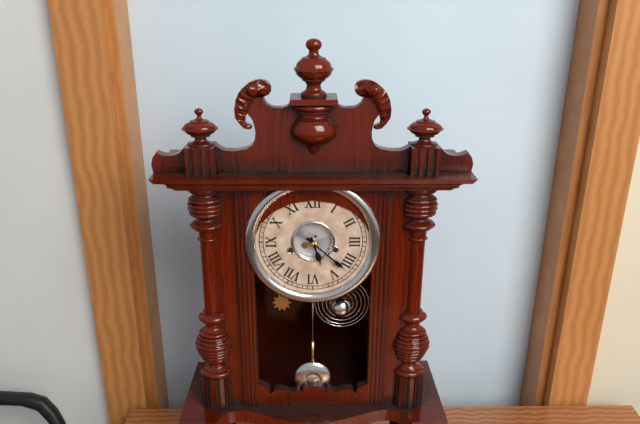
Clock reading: 5.22
